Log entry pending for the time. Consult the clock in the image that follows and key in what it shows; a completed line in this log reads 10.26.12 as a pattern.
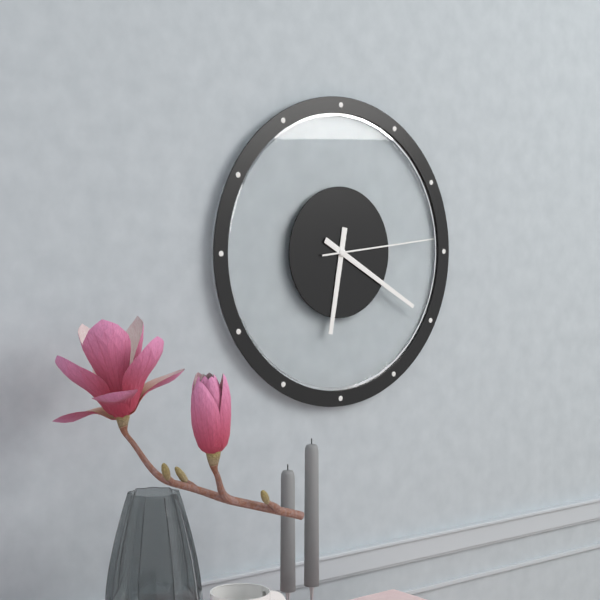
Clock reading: 6.20.14
